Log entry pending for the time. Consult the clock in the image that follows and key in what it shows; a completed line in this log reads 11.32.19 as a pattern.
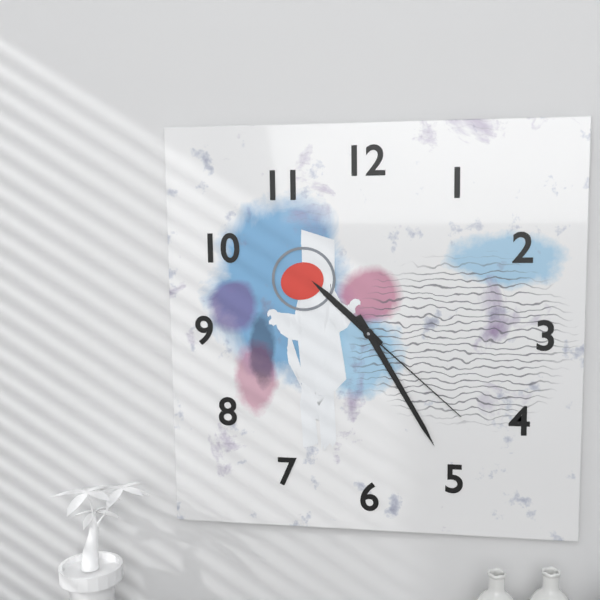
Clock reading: 10.25.22
